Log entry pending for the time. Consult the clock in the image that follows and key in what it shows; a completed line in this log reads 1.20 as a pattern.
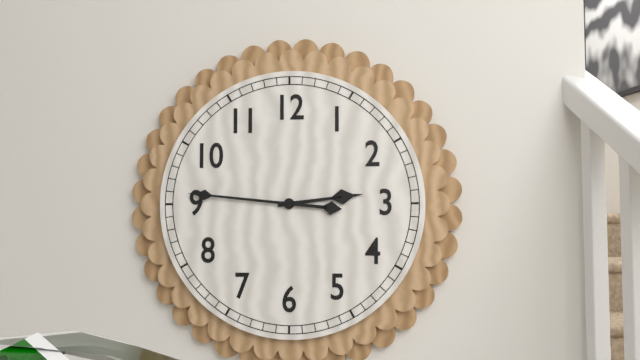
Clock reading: 2.46
